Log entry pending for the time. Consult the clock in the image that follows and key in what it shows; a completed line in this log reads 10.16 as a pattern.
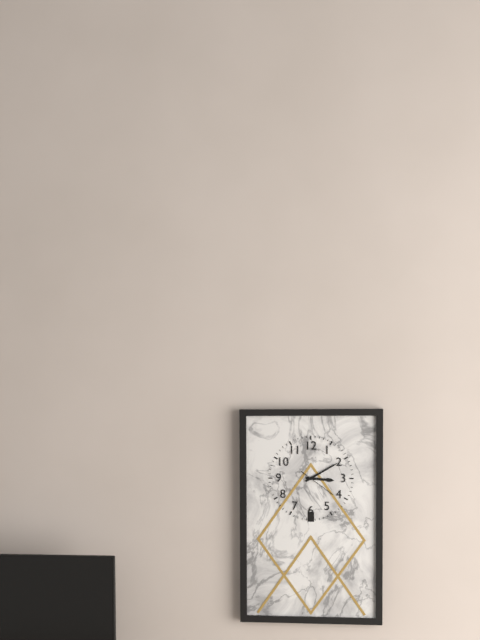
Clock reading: 3.10
